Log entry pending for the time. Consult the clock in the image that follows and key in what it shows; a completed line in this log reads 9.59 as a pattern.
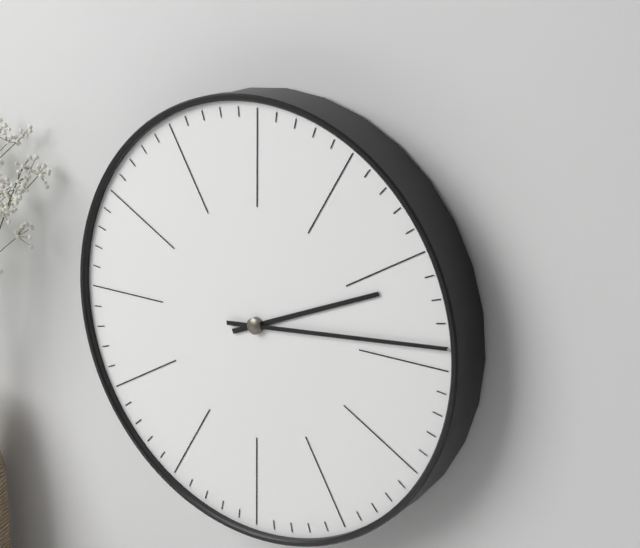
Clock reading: 2.14
